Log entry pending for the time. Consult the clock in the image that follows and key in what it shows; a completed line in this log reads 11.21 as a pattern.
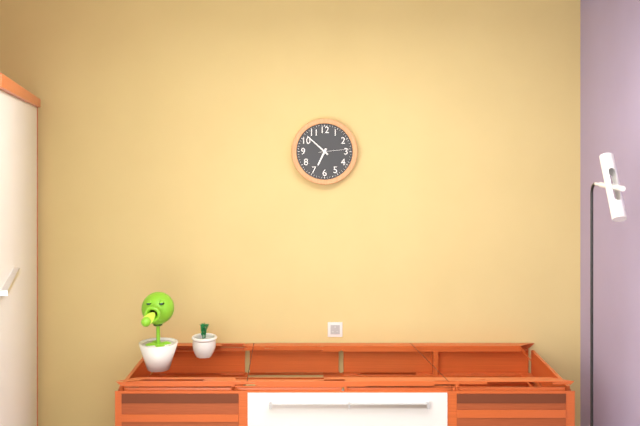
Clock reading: 6.52
